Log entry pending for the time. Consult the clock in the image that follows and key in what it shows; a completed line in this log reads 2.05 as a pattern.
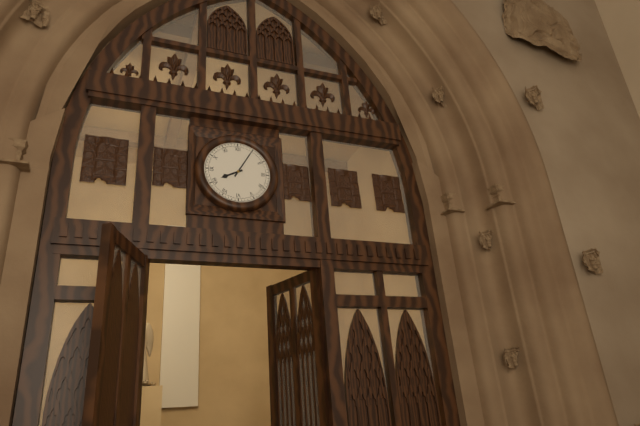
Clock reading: 8.05
